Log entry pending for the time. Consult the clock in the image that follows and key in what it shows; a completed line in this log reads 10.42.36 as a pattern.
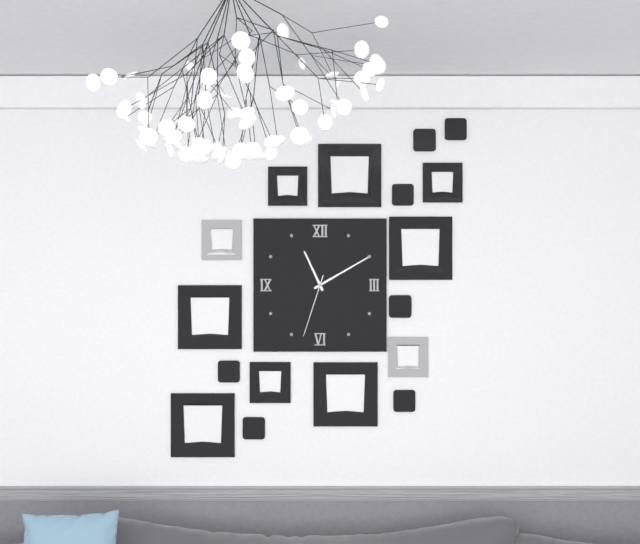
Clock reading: 11.10.33
